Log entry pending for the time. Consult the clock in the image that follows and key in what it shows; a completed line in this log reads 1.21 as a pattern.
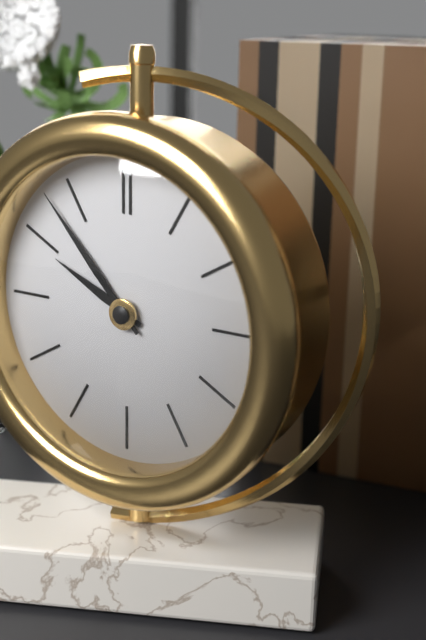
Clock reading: 9.53
